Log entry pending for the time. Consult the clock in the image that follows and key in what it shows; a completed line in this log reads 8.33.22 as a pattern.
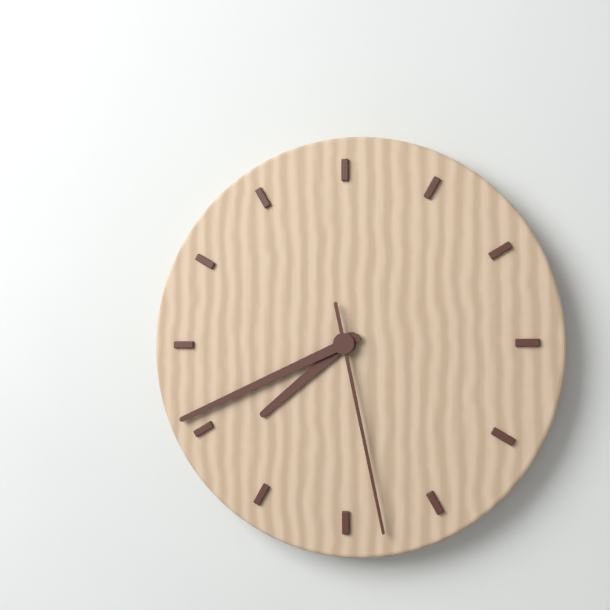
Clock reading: 7.41.28
